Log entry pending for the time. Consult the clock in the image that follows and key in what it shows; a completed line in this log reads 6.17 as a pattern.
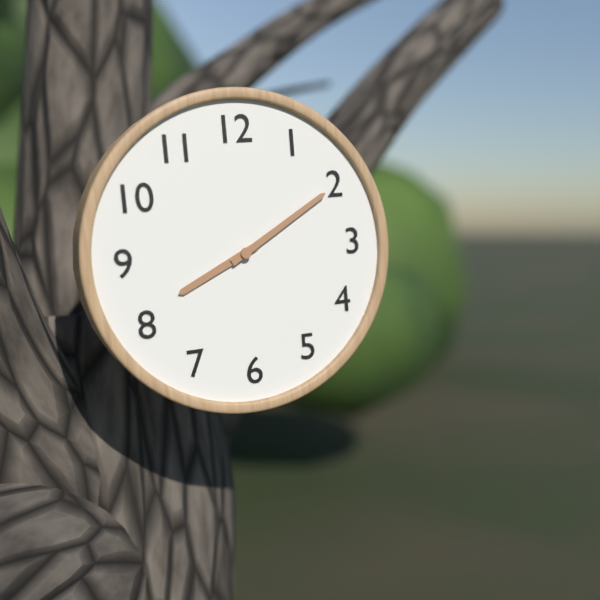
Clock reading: 8.10
